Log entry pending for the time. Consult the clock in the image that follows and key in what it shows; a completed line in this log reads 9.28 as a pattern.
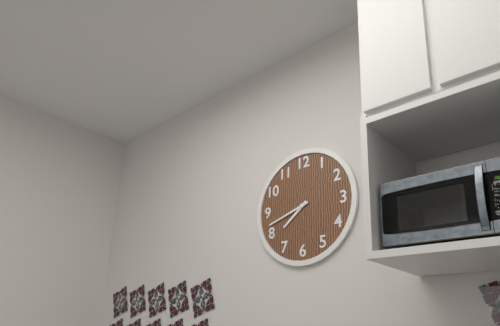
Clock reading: 7.42
